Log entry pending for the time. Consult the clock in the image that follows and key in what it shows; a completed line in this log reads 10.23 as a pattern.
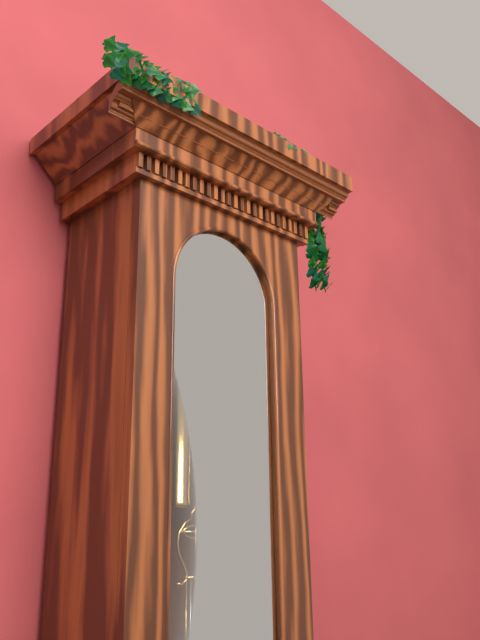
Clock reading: 9.20
